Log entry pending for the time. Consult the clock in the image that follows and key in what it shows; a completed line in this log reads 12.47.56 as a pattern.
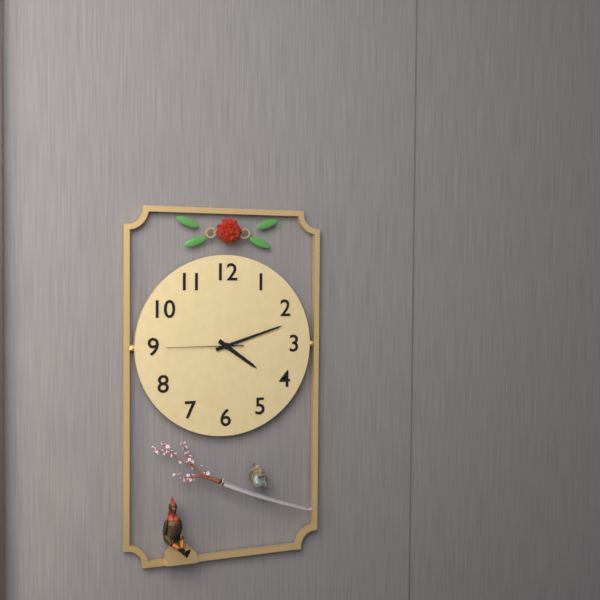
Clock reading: 4.12.45
